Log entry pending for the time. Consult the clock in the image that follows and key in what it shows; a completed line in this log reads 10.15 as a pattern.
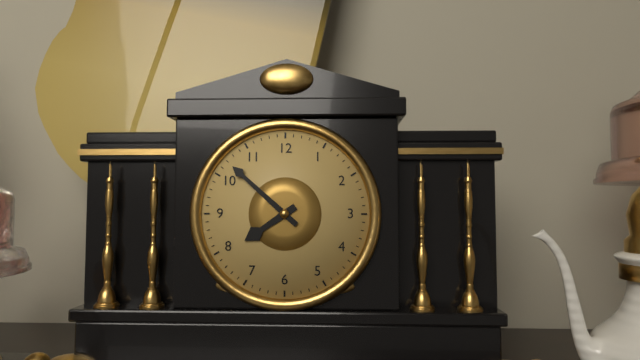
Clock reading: 7.52
